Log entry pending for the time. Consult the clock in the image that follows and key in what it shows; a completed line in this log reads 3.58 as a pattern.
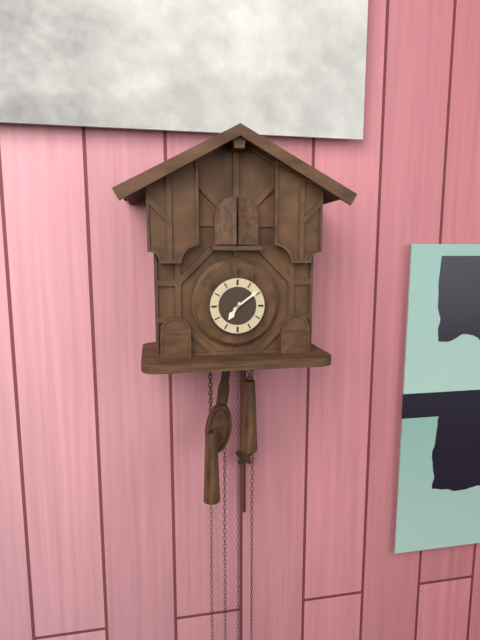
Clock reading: 7.09
